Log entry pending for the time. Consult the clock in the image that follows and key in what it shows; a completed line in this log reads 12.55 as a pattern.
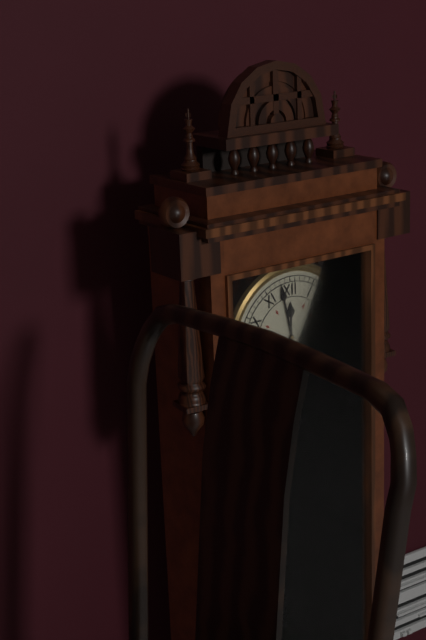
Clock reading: 11.58
